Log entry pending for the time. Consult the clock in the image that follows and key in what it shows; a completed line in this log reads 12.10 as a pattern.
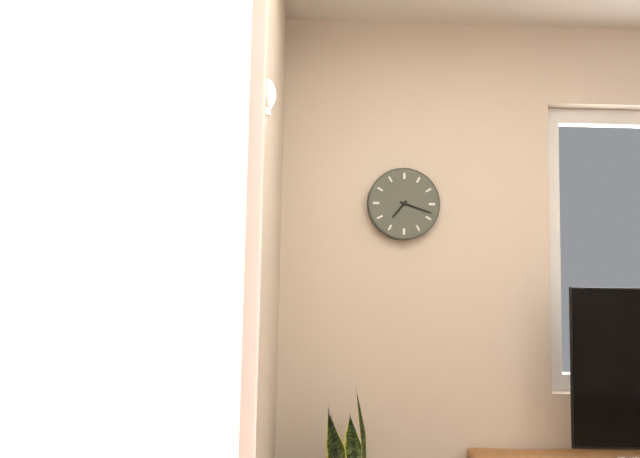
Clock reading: 7.18
